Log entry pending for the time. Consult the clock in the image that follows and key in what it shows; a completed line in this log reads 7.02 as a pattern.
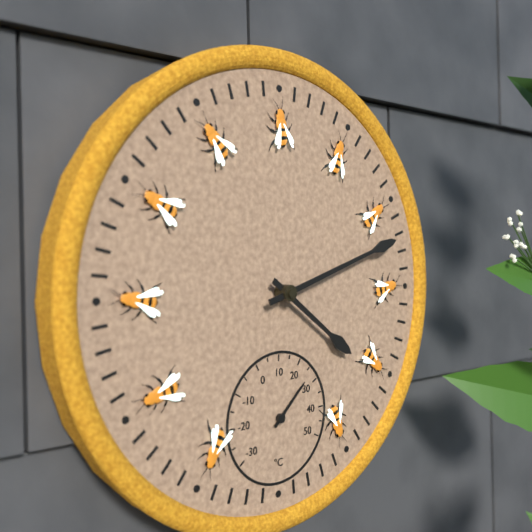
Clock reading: 4.12
